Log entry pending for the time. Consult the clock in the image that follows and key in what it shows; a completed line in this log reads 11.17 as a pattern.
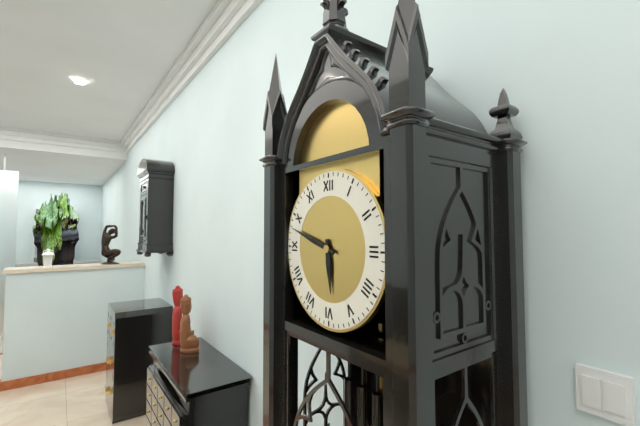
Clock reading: 5.48
